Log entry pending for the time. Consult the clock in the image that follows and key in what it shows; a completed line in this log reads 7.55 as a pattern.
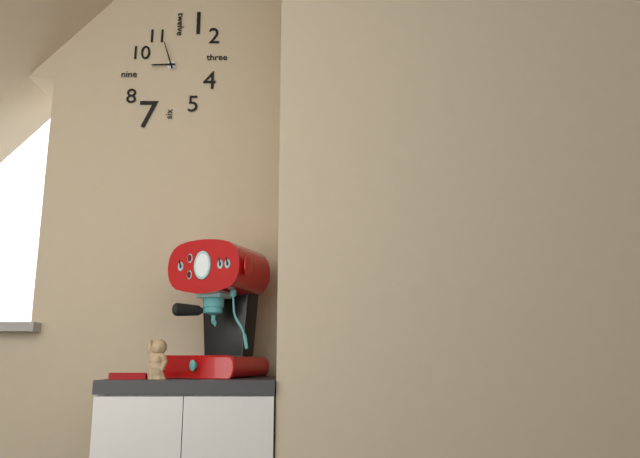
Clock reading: 8.57
